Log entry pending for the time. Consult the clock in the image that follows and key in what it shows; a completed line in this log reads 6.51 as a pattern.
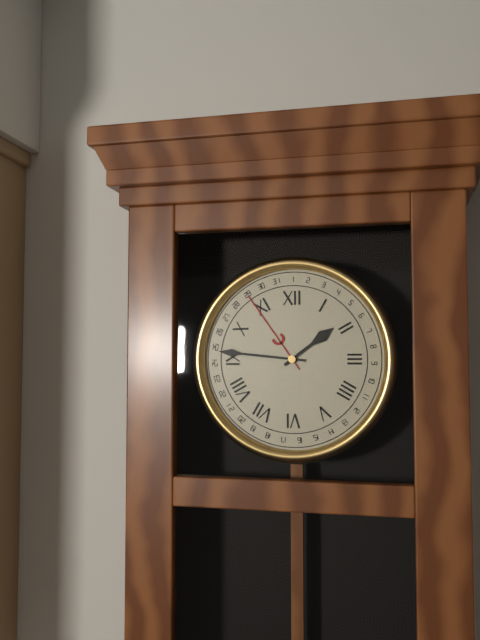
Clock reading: 1.46
